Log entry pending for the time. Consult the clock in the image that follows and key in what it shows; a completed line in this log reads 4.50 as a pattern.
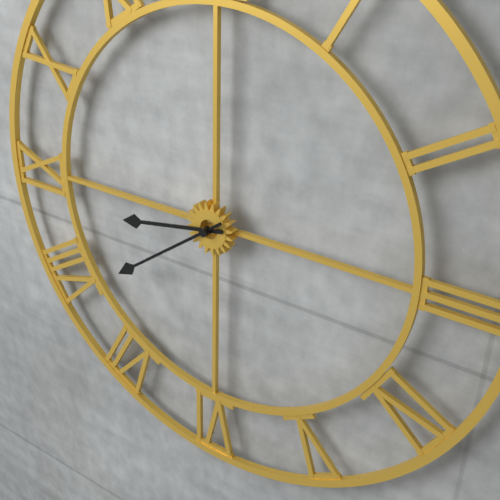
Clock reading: 8.39
